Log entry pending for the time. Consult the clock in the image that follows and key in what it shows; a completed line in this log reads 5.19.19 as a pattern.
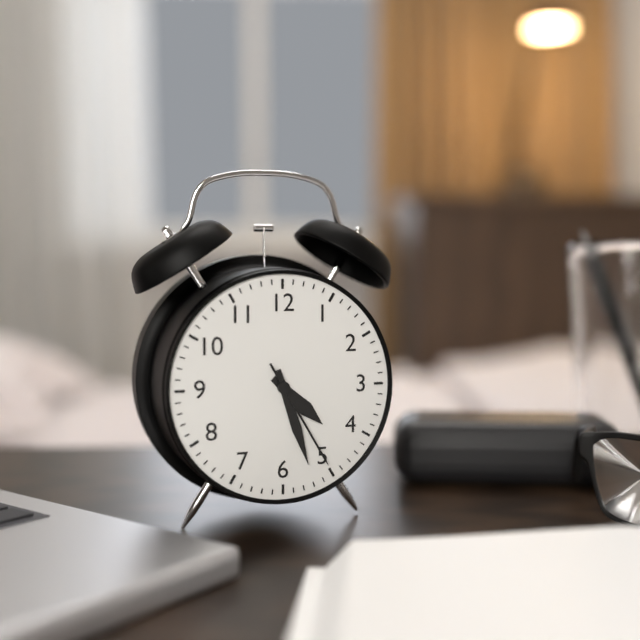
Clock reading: 4.27.25
